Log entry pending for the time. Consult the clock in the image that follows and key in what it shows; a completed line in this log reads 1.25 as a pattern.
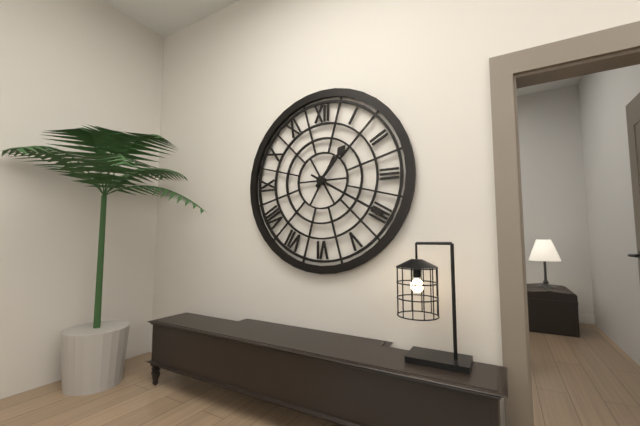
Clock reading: 1.20
